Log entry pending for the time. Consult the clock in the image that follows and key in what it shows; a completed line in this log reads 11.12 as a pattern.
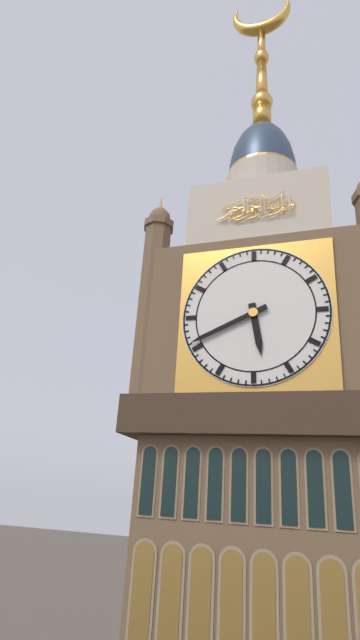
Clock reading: 5.41
